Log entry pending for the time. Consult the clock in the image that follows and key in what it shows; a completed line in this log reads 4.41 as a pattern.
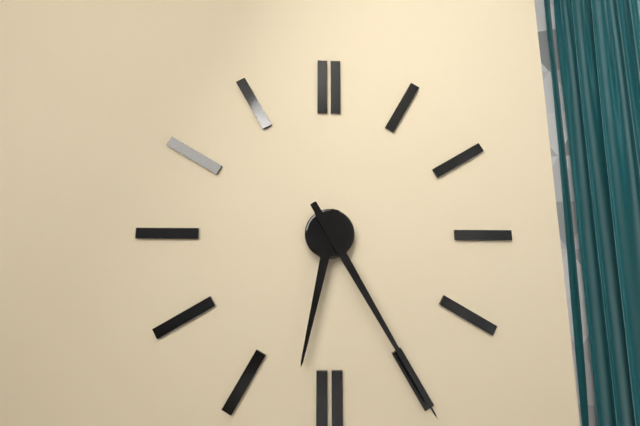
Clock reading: 6.25
